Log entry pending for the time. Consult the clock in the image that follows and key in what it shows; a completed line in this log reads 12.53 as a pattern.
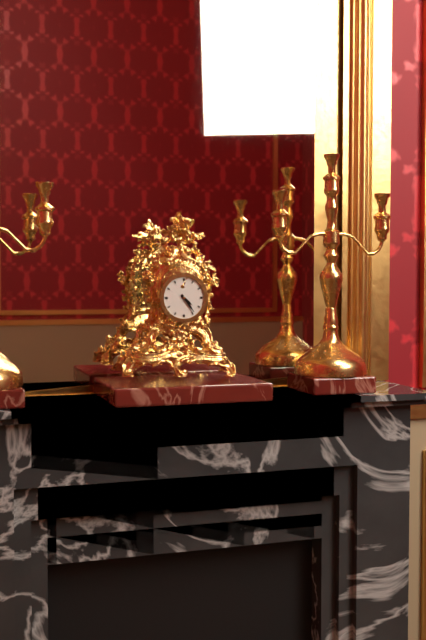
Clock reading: 4.24
